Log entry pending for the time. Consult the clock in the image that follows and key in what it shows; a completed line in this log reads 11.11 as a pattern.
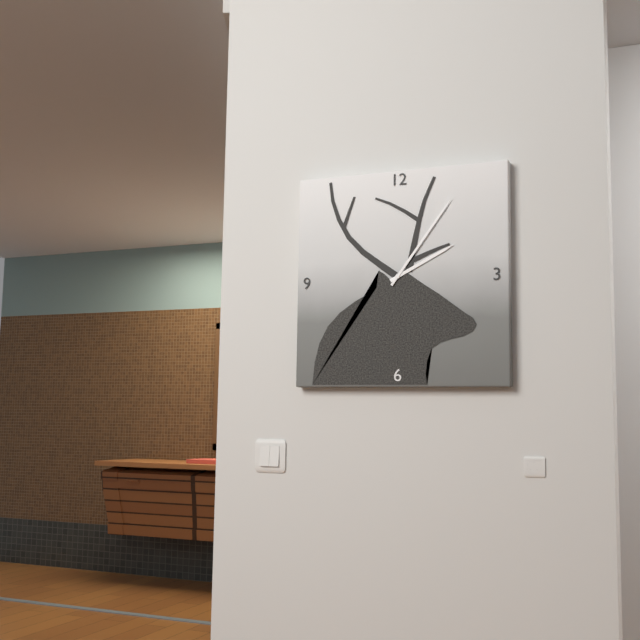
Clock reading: 2.06
